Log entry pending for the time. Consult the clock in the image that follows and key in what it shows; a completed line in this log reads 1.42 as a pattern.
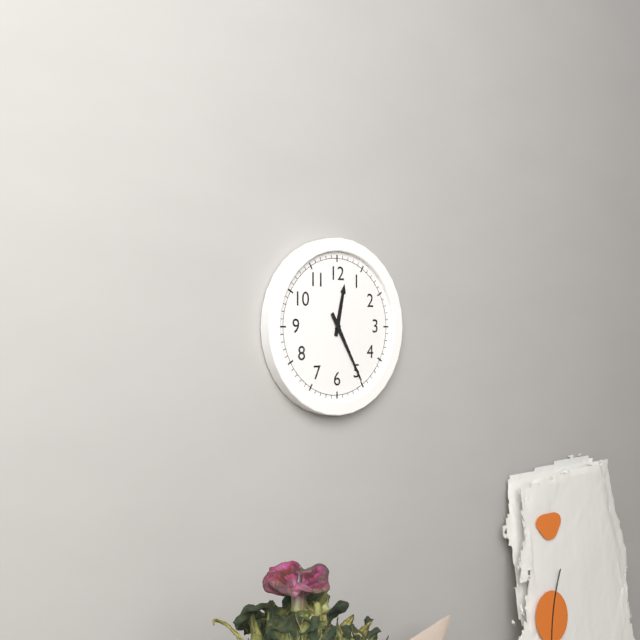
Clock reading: 12.25
